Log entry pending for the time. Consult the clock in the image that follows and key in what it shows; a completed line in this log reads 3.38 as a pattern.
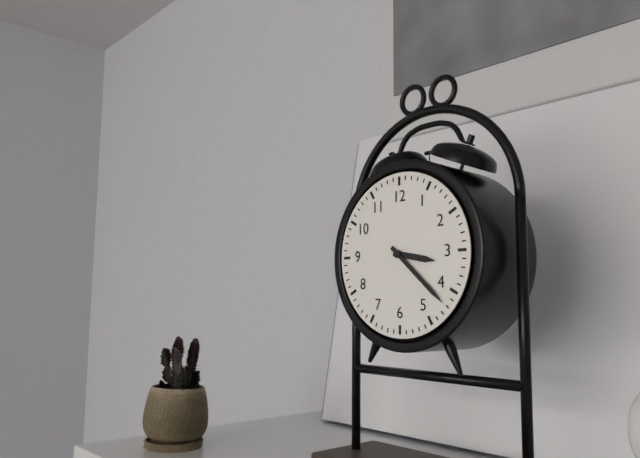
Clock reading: 3.22
